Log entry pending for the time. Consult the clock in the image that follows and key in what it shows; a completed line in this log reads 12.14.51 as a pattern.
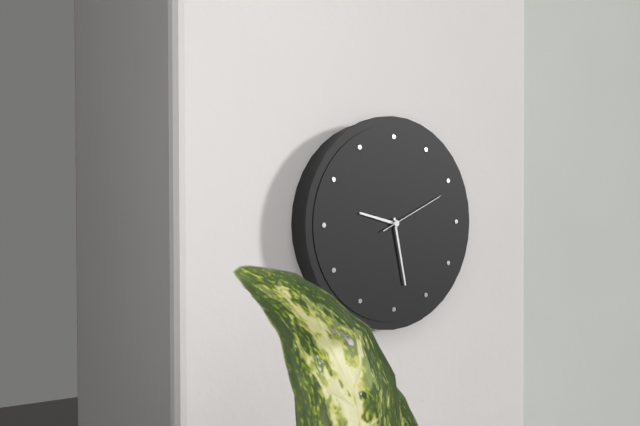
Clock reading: 9.28.11
